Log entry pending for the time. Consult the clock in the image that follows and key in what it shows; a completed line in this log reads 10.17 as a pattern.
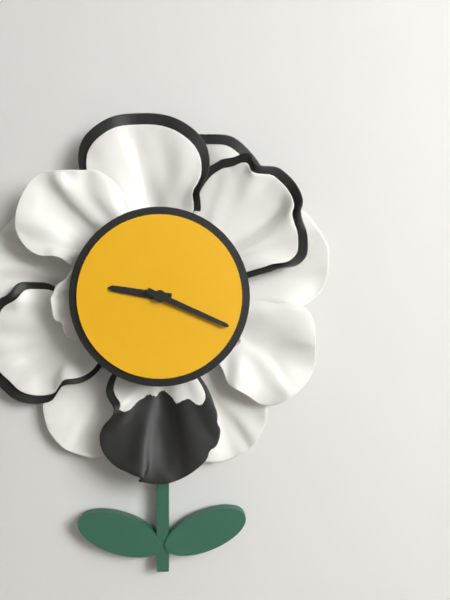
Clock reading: 9.19
